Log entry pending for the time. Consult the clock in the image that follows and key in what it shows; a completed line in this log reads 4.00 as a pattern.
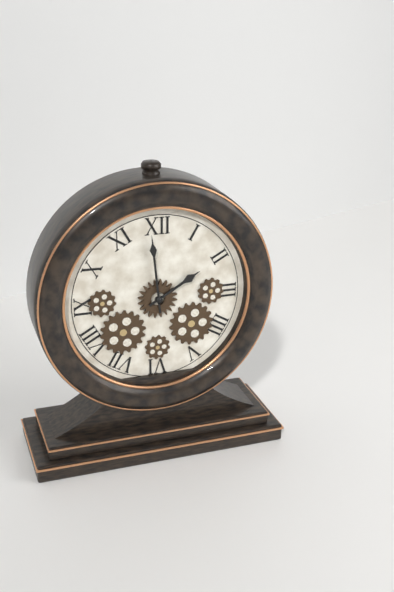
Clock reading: 1.59
